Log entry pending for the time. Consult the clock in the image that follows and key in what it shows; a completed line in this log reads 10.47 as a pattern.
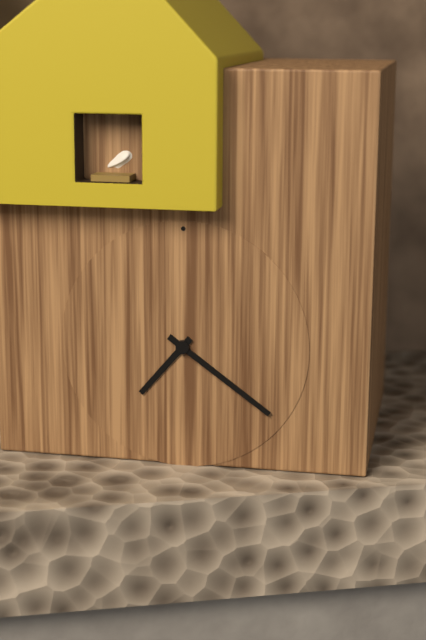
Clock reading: 7.21
